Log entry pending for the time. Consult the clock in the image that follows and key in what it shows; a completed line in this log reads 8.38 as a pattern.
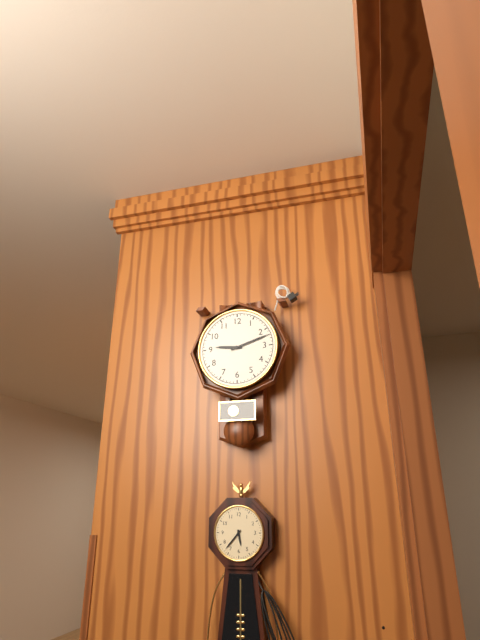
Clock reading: 9.12
